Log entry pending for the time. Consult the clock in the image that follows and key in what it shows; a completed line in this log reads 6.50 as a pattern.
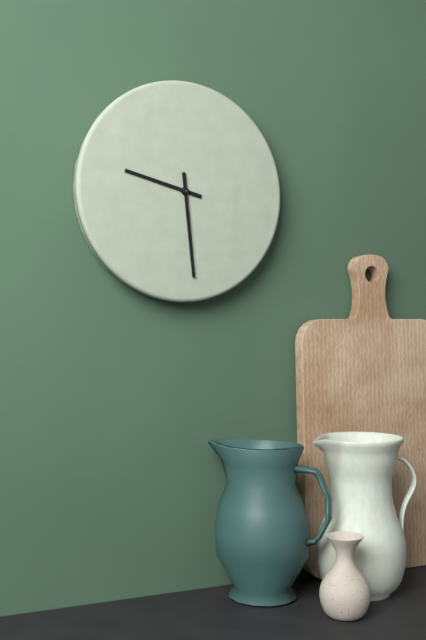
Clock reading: 9.29
